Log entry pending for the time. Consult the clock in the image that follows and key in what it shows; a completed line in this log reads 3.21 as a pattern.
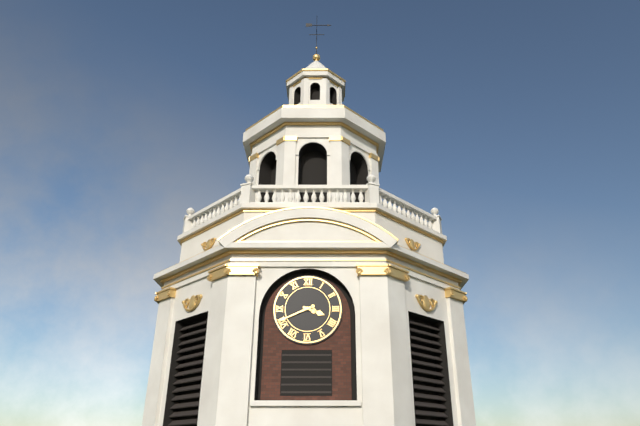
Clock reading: 3.41
